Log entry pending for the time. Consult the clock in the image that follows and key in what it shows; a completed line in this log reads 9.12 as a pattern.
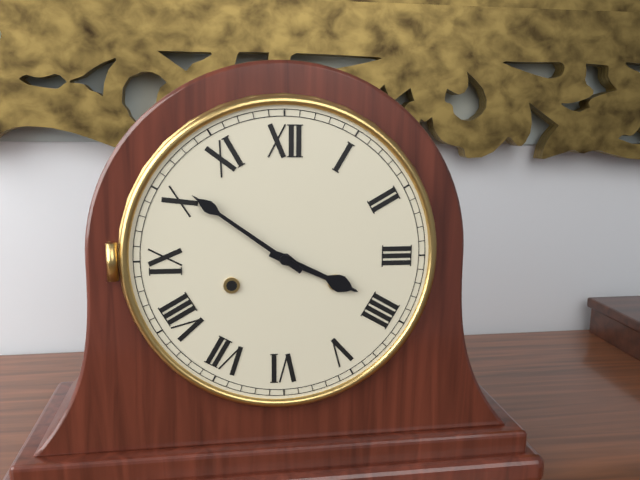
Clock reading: 3.51
